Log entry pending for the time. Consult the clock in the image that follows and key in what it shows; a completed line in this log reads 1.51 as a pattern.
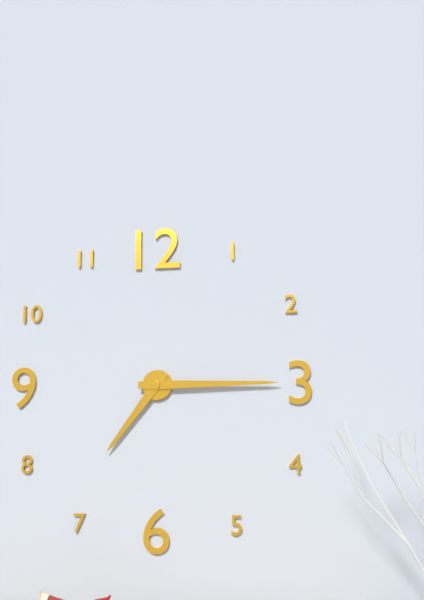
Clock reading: 7.15
